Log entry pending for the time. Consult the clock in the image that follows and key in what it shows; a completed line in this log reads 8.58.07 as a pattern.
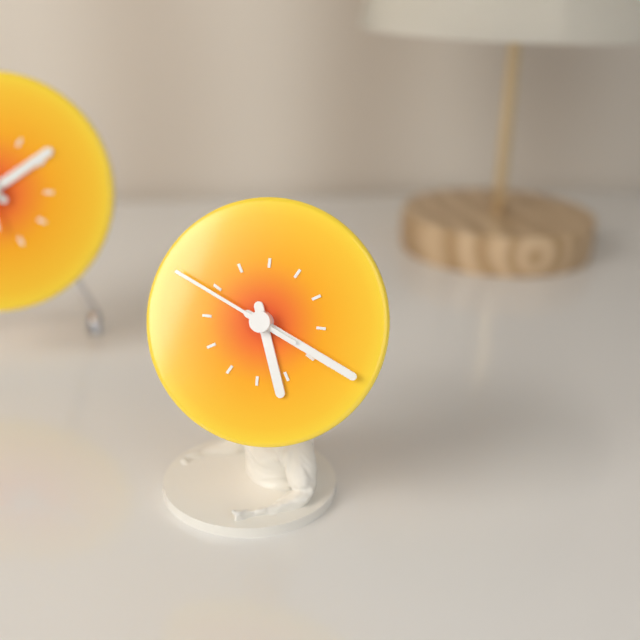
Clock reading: 5.19.49
